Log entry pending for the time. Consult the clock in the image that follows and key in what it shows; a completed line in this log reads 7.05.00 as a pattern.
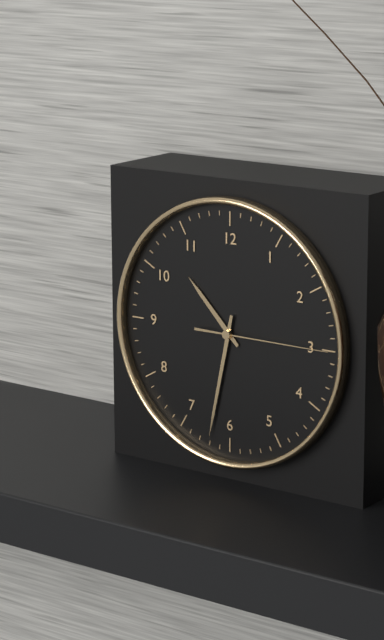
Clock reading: 10.32.15
